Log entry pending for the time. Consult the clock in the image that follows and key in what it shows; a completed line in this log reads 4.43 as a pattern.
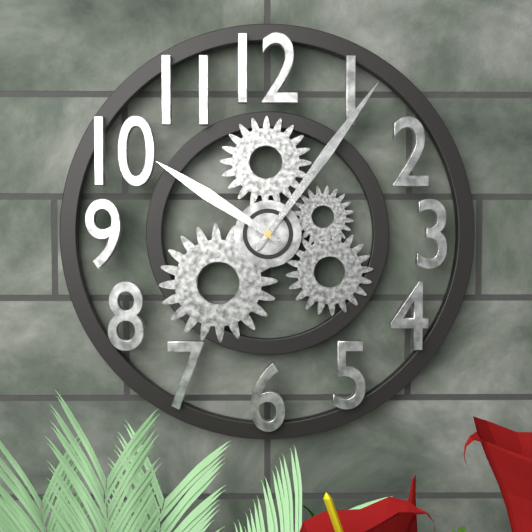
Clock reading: 10.06
